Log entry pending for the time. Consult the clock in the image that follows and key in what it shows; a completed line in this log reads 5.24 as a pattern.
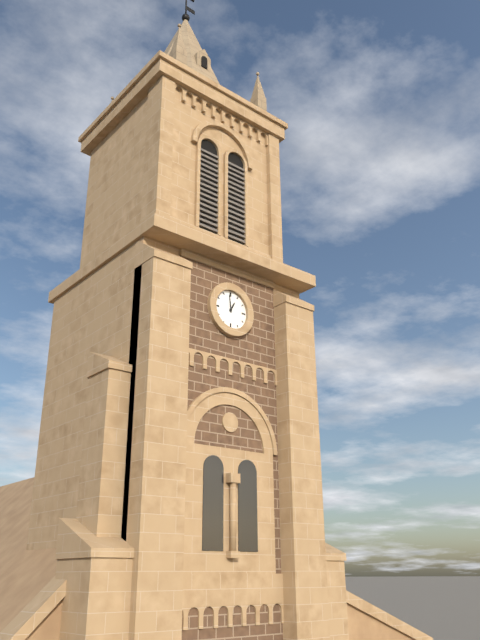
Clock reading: 12.59
